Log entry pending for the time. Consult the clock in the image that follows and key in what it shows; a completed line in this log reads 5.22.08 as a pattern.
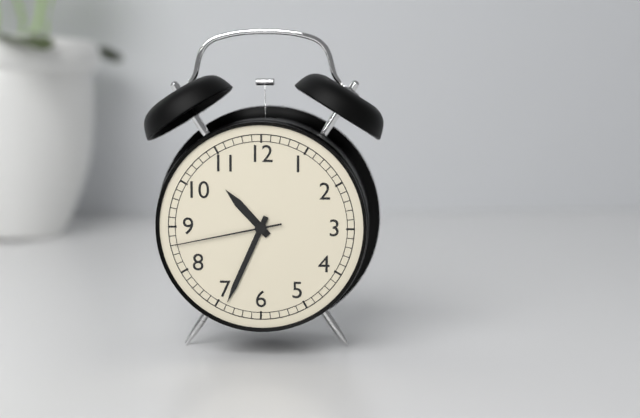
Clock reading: 10.34.43
